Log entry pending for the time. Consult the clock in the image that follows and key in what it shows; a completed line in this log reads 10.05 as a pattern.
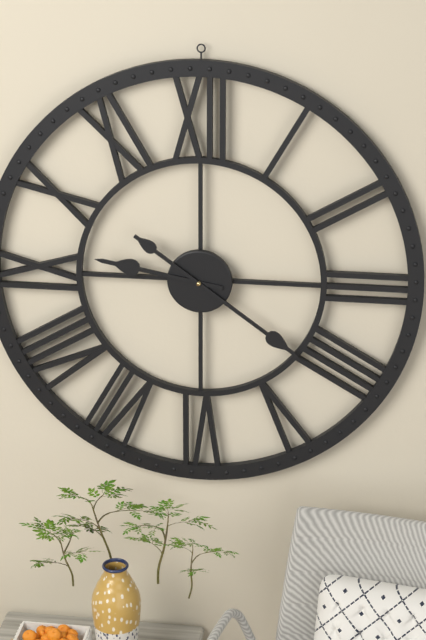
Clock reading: 9.21
